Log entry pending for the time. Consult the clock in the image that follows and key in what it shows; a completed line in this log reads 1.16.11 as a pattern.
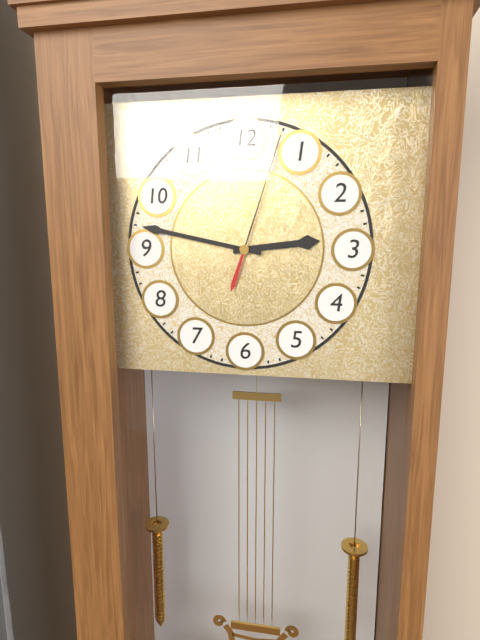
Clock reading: 2.47.03
